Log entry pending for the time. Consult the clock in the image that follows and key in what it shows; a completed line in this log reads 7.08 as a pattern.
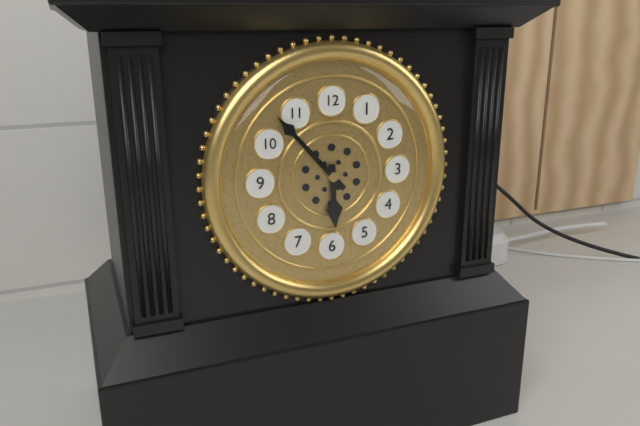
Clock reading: 5.53
